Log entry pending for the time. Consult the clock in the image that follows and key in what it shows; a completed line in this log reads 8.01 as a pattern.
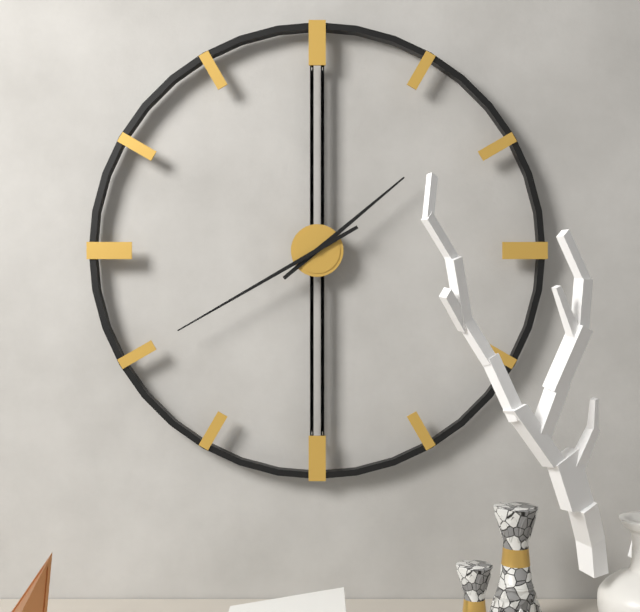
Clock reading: 1.40
